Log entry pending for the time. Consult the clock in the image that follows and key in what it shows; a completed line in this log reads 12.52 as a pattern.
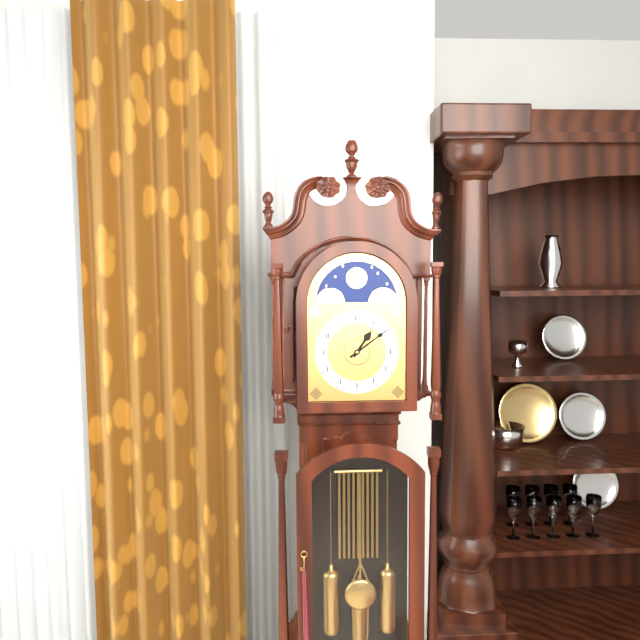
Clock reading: 1.09
